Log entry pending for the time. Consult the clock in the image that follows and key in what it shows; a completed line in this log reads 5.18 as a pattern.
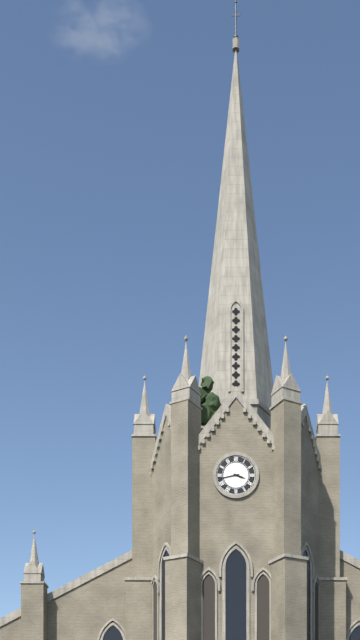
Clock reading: 3.43
